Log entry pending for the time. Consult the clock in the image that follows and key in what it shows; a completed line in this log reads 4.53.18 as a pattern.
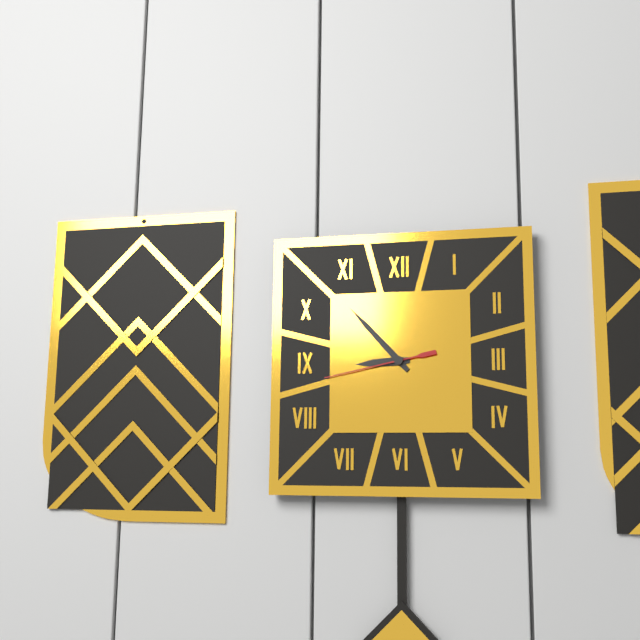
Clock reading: 8.53.43
